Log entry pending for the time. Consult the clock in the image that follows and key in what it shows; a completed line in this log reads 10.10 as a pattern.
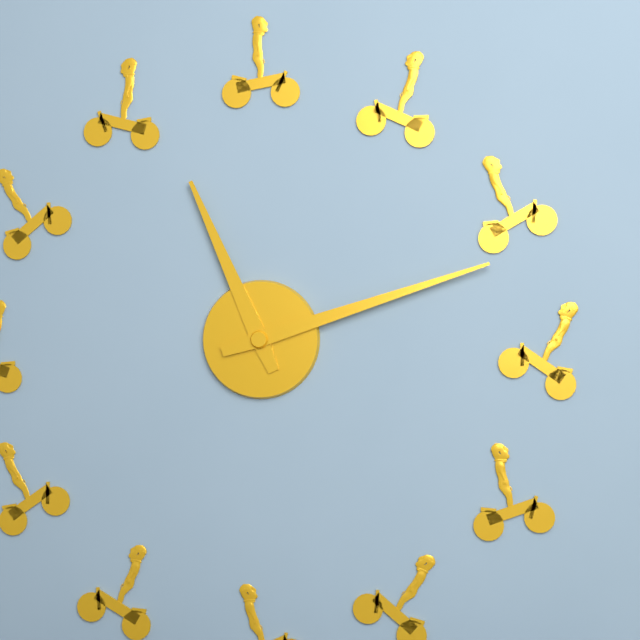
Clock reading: 11.12
